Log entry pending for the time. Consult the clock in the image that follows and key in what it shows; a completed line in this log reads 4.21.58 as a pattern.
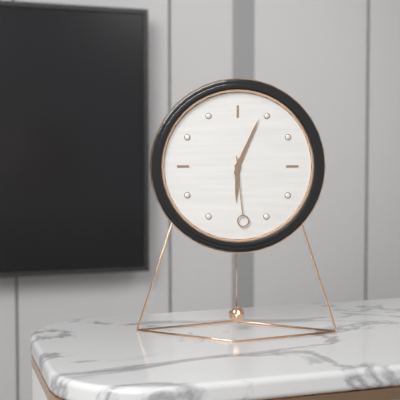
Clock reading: 6.04.29
